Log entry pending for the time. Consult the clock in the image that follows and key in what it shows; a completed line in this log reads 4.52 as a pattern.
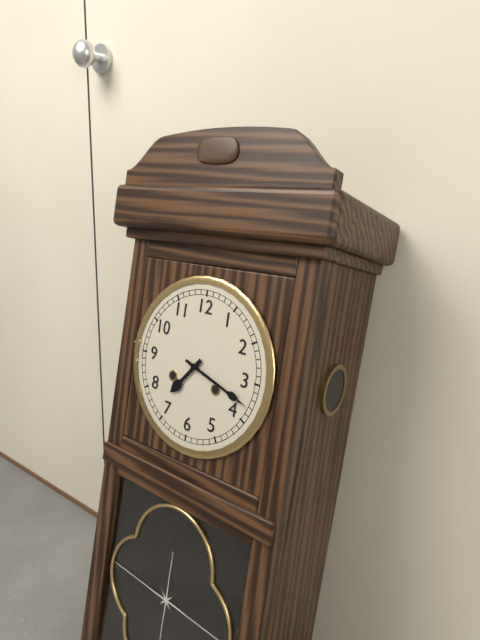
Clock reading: 7.18
